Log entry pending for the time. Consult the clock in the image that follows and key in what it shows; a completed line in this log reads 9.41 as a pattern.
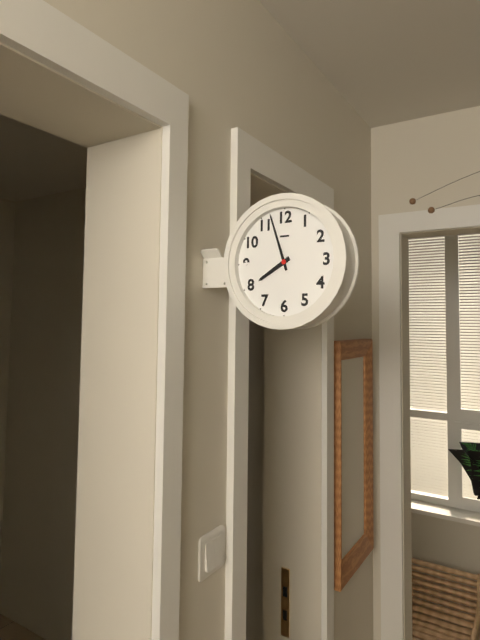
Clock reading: 7.57
